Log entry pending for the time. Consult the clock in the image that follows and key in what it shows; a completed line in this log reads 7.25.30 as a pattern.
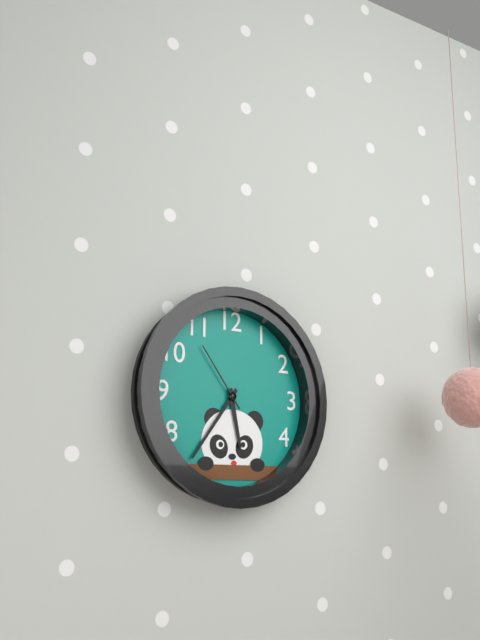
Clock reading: 5.36.54
